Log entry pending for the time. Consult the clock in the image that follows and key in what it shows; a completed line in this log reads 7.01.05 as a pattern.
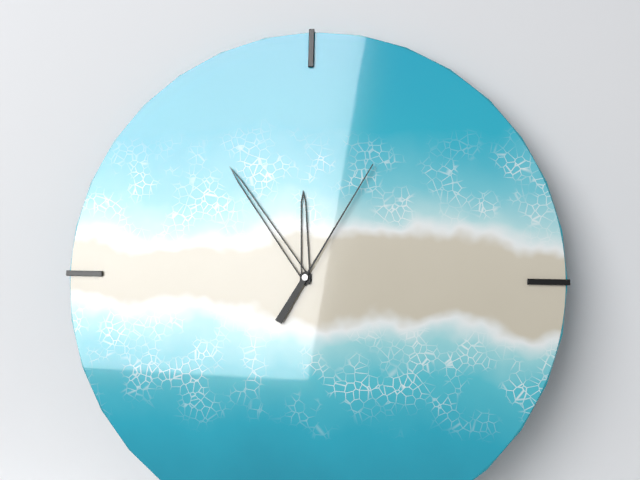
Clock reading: 11.54.05
